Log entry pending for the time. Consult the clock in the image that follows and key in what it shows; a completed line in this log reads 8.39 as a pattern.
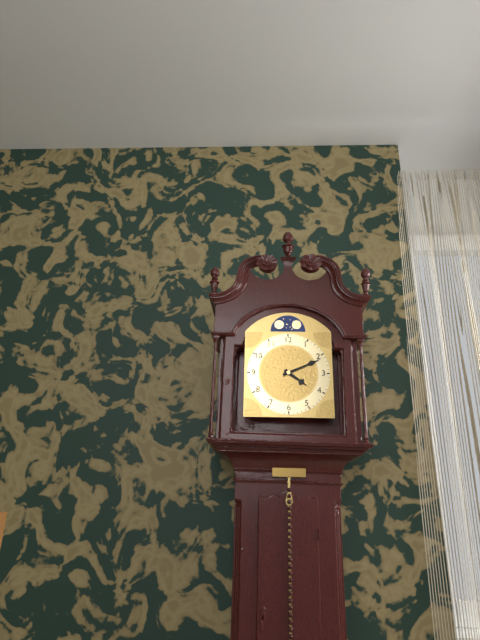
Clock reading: 4.11
